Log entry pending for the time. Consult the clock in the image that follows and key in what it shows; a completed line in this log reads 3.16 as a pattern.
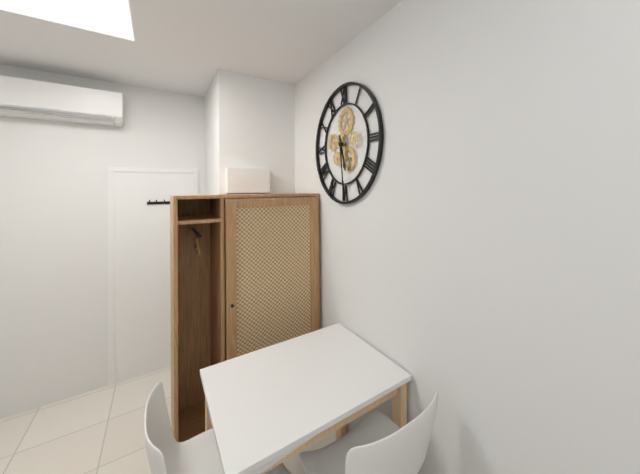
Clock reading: 5.29
